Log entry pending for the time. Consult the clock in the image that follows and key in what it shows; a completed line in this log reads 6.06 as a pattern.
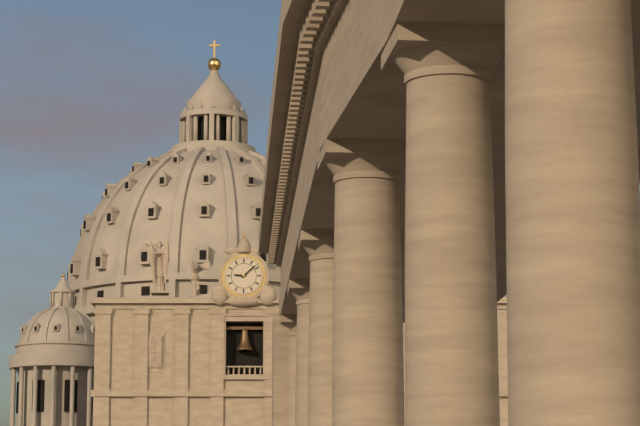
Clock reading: 9.08
